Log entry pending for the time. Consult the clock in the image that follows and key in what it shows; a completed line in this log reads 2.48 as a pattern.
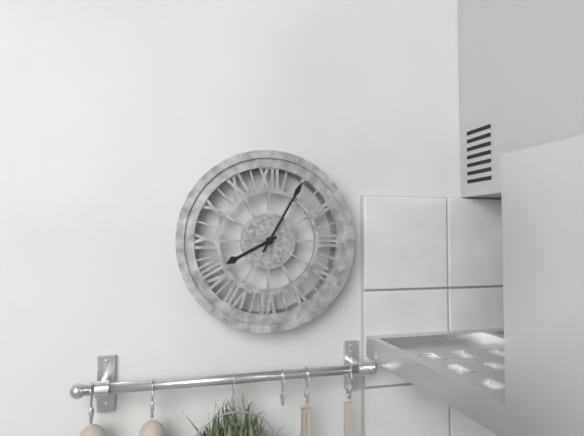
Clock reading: 8.05
